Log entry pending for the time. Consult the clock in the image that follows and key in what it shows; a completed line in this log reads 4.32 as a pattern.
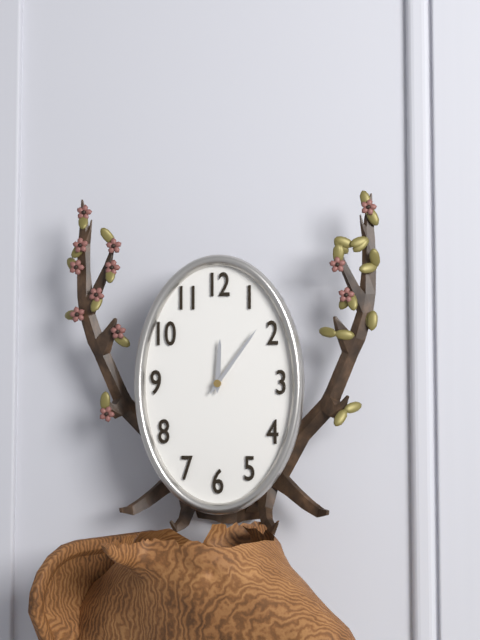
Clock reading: 12.06
